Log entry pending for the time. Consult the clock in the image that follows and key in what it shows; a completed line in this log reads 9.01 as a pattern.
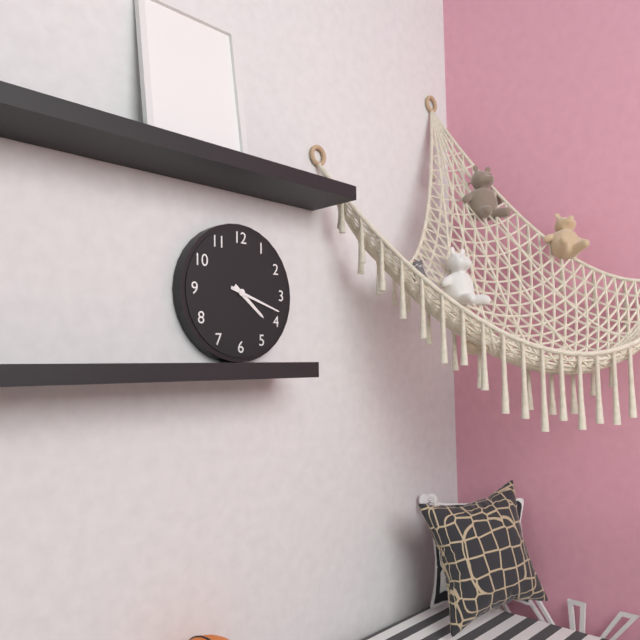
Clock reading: 4.18
